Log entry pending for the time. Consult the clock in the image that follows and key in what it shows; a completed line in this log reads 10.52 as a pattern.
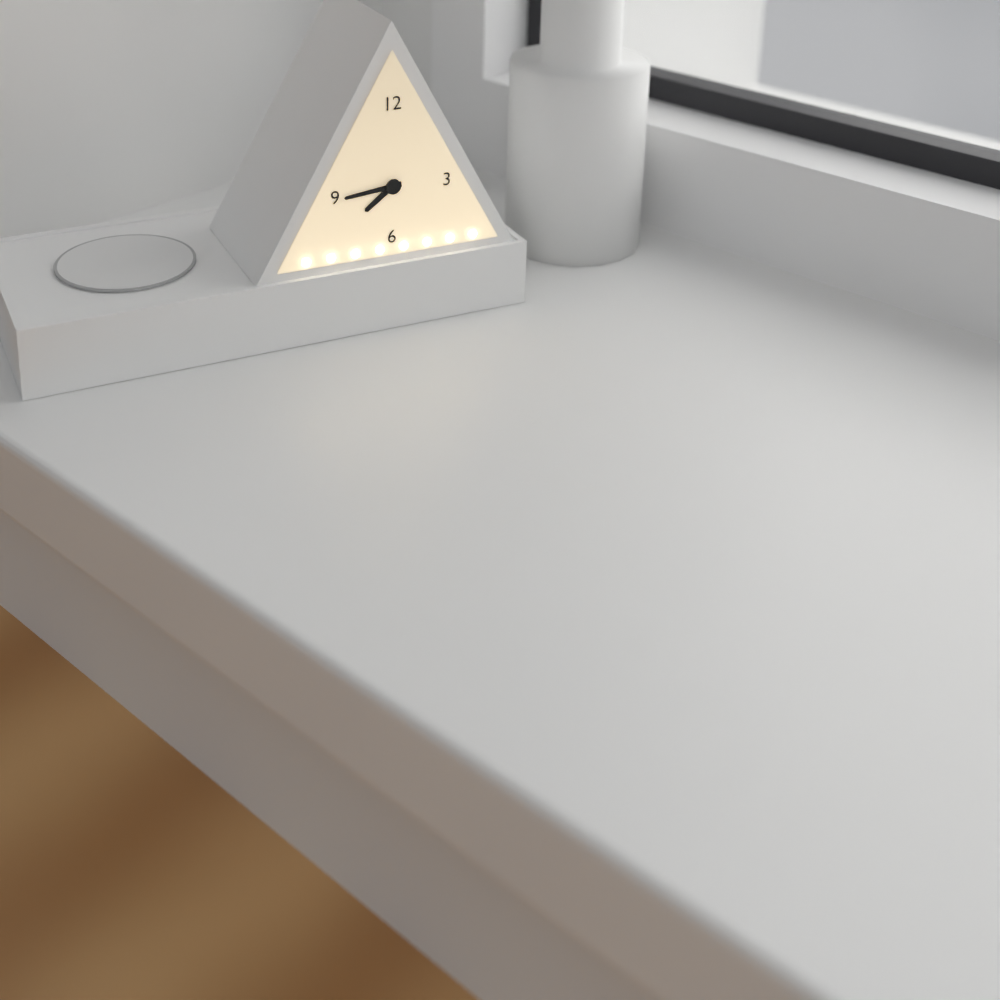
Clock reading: 7.44
